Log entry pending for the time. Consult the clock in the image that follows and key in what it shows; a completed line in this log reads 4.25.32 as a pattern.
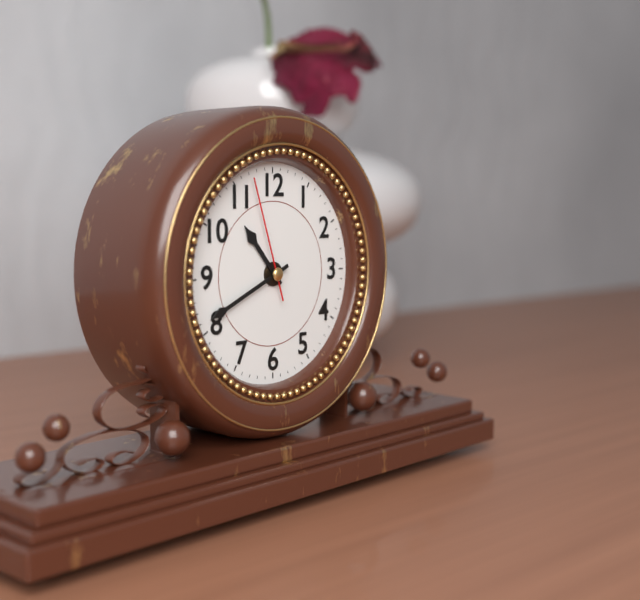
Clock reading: 10.41.57
